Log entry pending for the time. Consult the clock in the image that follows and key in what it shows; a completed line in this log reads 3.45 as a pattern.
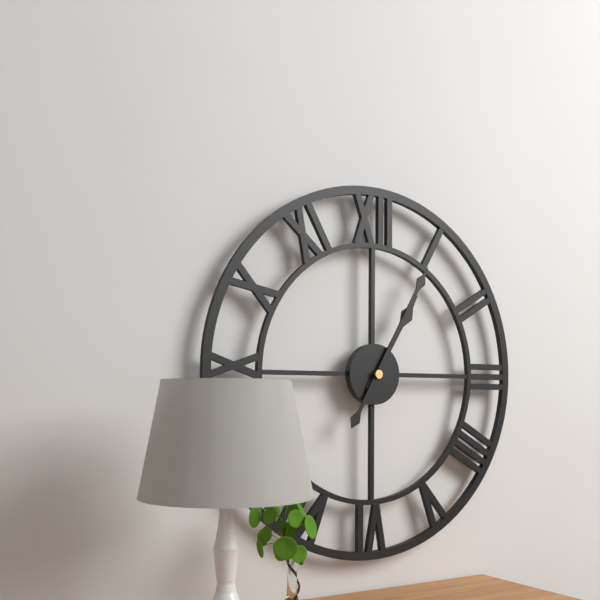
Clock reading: 1.05
